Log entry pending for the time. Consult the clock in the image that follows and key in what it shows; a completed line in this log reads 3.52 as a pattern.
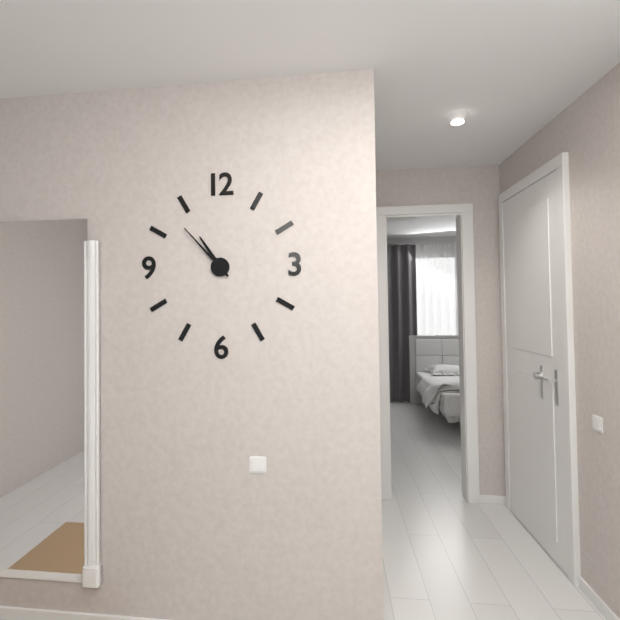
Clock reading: 10.53
